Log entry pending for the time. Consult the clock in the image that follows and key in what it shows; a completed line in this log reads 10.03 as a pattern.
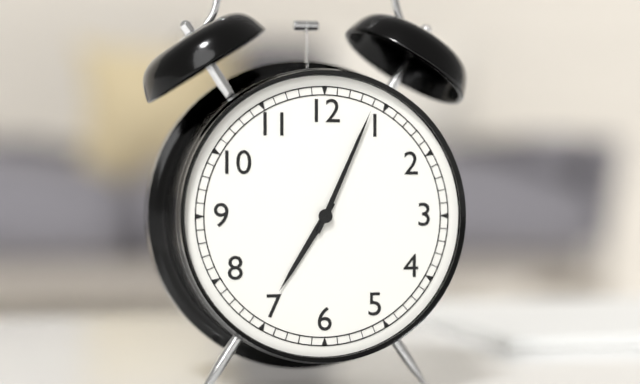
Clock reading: 7.04
